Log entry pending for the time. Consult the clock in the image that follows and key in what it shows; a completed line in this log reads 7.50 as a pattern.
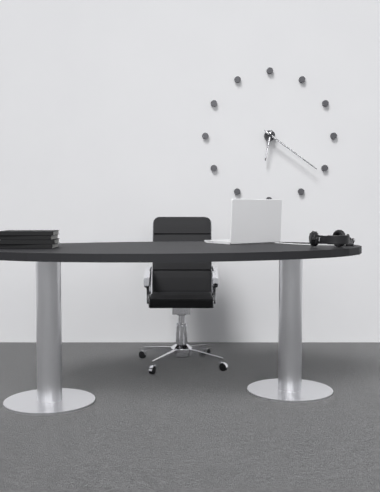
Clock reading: 6.21
